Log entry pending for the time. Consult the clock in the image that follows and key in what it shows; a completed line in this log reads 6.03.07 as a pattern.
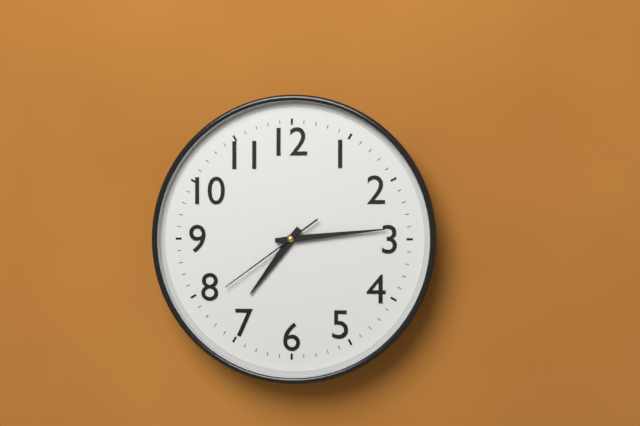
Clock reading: 7.14.39
